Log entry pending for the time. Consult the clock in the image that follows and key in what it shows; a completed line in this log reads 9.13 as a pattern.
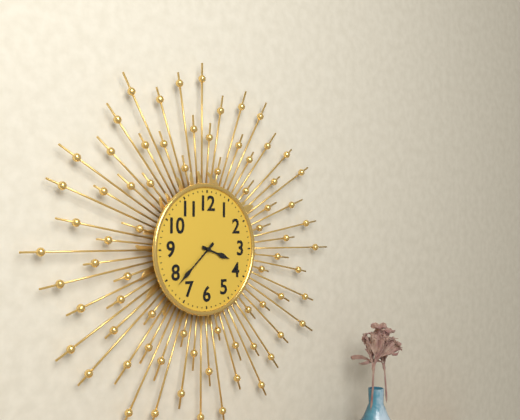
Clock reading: 3.38
